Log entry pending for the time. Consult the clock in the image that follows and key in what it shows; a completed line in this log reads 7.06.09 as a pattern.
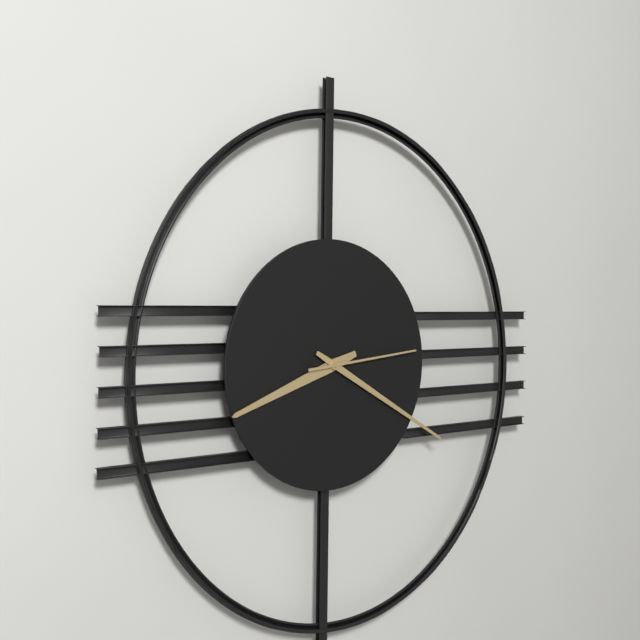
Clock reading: 8.20.14
